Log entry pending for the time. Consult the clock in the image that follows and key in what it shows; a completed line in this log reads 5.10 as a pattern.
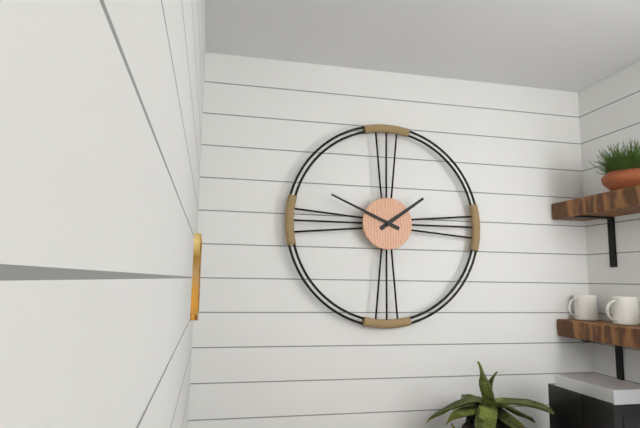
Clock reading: 1.49
